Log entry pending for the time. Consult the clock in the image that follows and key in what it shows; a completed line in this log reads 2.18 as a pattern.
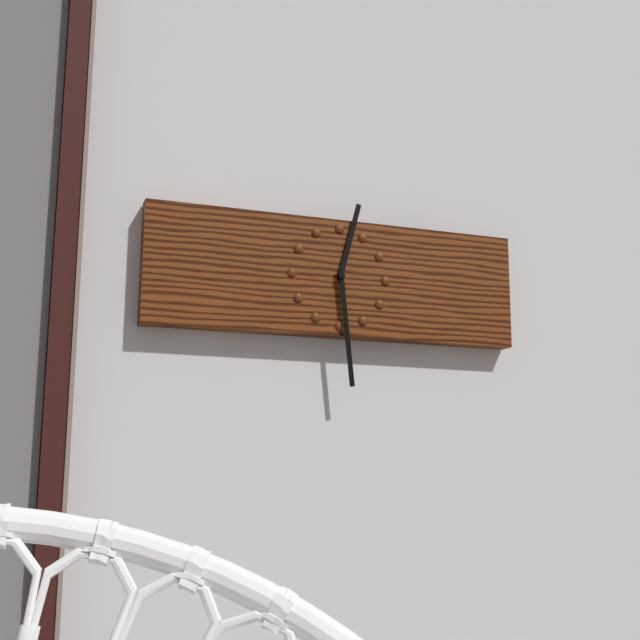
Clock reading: 12.29
